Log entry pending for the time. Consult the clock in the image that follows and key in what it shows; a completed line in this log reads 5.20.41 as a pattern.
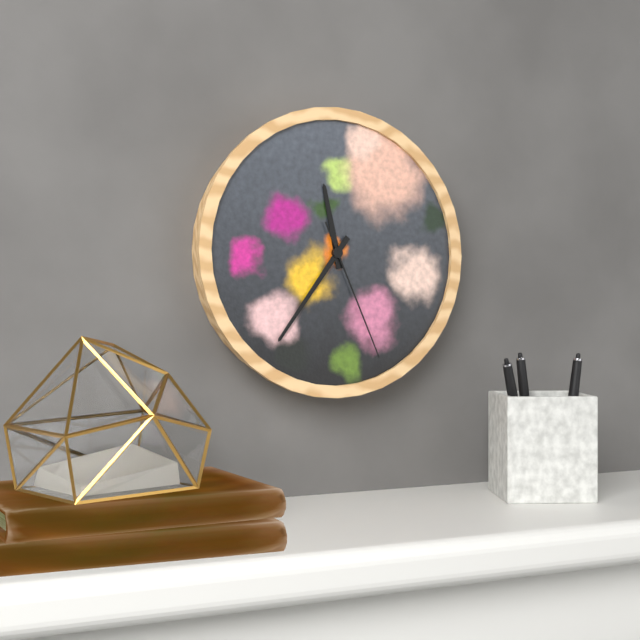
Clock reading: 11.36.26
